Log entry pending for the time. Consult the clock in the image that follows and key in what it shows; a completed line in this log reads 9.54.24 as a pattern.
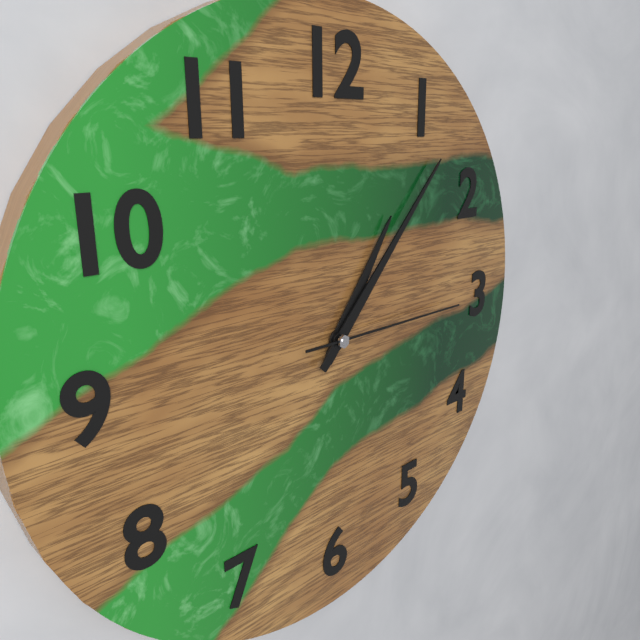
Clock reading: 1.07.15
